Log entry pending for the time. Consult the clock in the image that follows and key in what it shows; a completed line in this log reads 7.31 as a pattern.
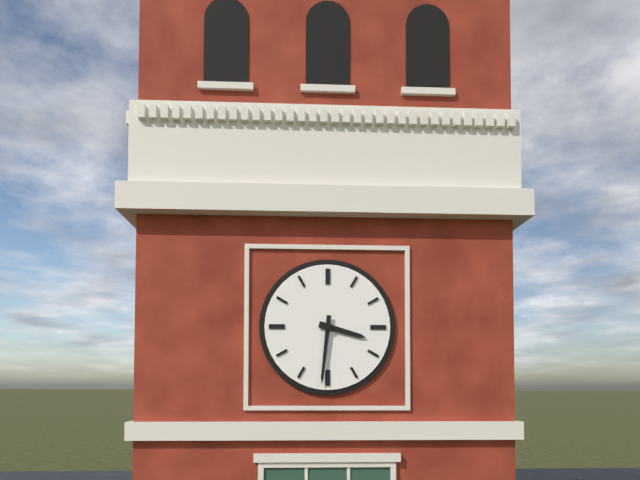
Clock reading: 3.31
